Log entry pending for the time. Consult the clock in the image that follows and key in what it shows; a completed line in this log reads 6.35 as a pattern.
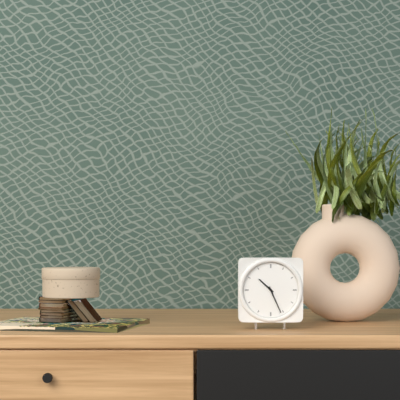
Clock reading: 10.26
